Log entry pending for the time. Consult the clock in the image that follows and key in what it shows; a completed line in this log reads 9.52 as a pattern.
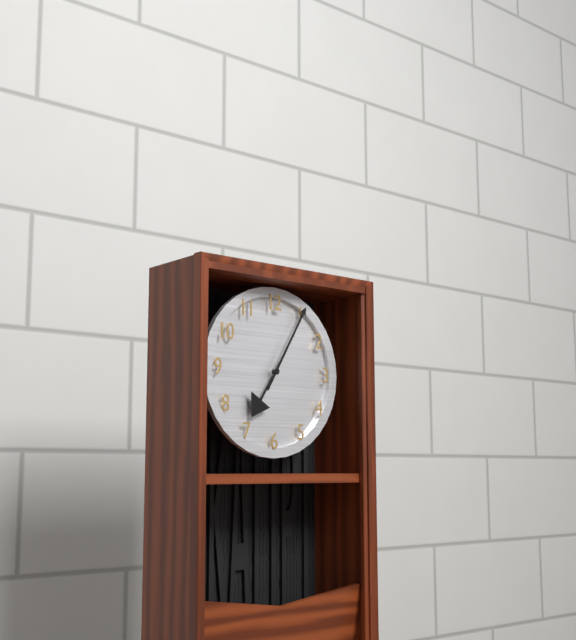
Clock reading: 7.05
